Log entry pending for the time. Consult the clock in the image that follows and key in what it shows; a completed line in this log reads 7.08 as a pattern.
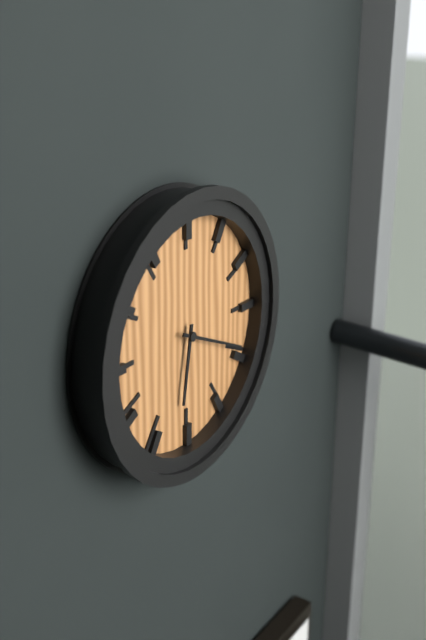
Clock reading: 6.19
